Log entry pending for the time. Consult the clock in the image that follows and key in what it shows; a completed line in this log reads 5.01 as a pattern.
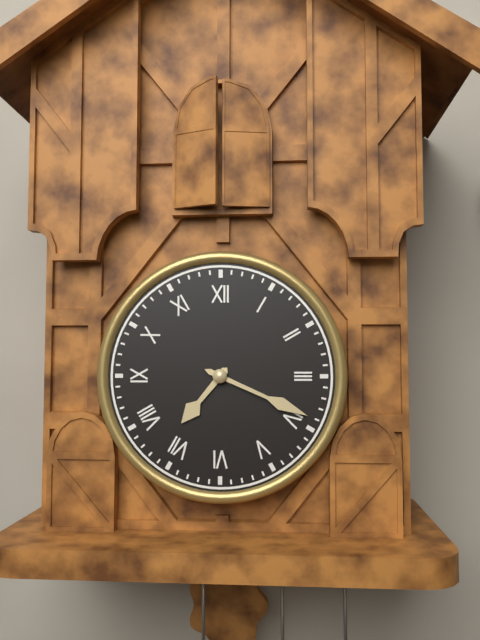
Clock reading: 7.19
